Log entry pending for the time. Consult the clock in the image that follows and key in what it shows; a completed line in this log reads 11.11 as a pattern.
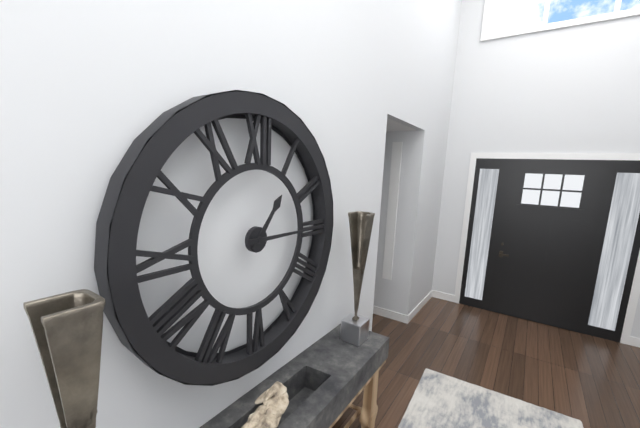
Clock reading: 1.15
